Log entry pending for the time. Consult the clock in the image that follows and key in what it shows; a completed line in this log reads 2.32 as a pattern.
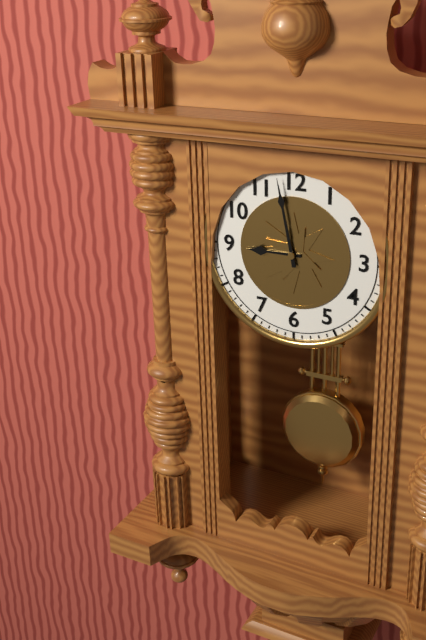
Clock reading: 8.58
